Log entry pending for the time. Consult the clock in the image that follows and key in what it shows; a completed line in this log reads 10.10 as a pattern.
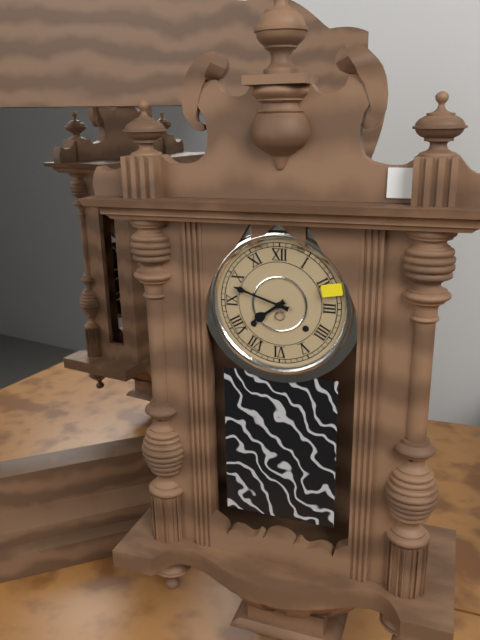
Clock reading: 7.48
